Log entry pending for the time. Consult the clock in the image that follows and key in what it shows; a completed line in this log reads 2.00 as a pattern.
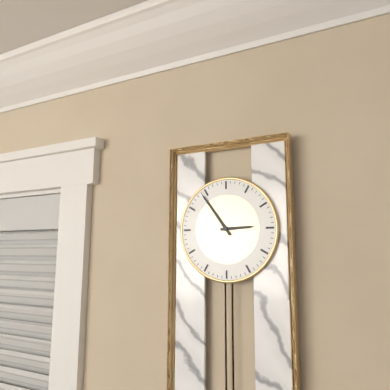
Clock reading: 2.54
